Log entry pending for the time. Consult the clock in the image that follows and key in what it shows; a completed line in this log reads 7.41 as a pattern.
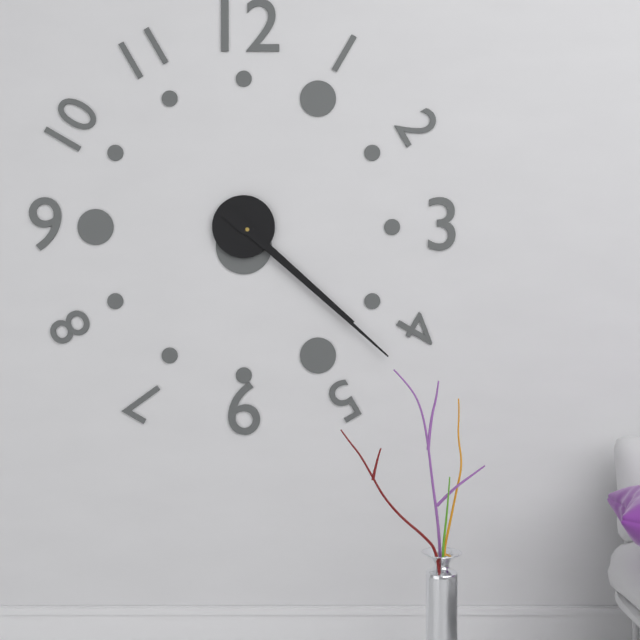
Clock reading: 4.22
